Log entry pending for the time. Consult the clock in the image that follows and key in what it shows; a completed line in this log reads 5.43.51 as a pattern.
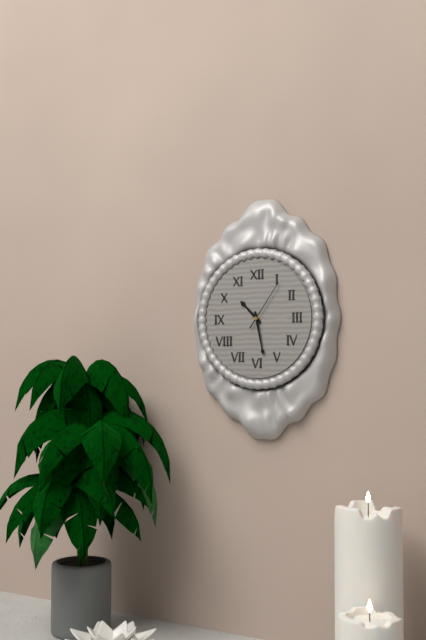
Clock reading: 10.28.06
